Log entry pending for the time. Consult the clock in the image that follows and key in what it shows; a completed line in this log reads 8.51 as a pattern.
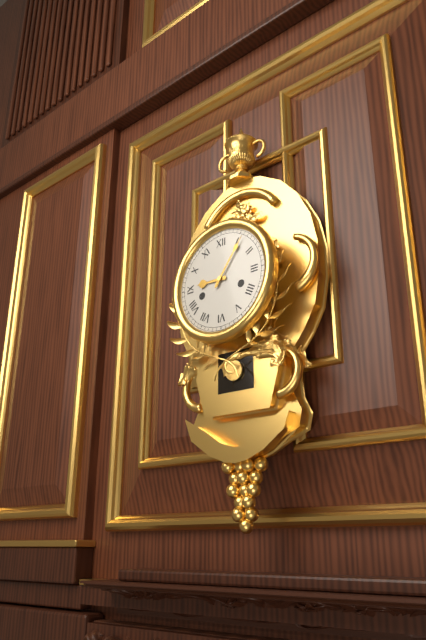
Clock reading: 9.06
